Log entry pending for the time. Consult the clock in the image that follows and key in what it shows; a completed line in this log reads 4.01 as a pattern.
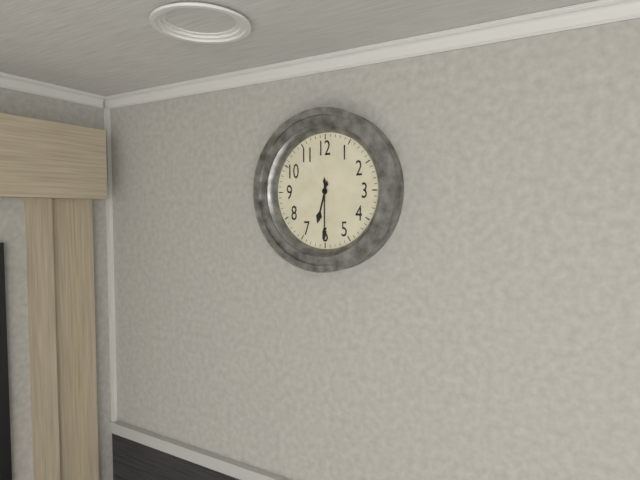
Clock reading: 6.30
